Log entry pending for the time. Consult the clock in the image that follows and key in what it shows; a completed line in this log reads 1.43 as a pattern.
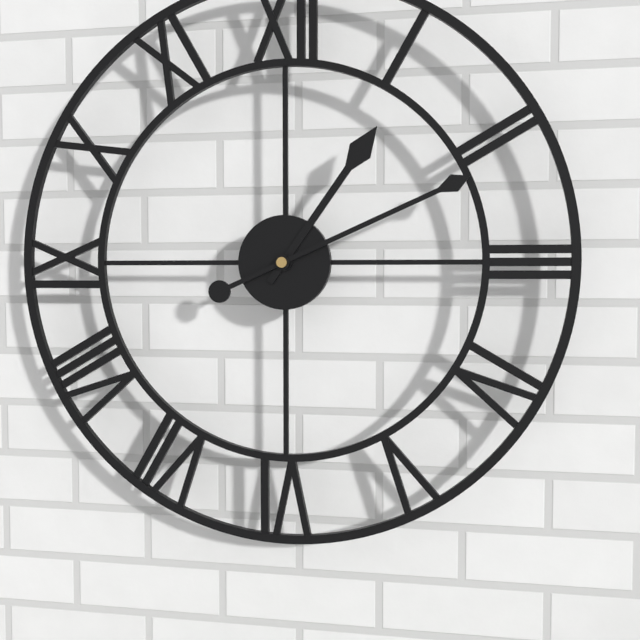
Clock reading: 1.11
